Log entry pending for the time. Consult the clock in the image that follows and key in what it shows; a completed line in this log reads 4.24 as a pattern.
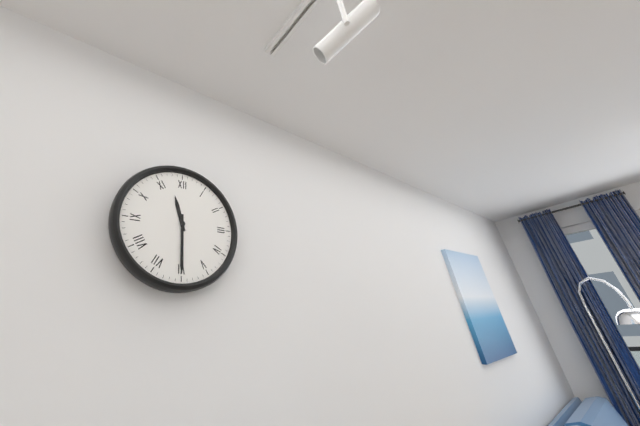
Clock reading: 11.30
